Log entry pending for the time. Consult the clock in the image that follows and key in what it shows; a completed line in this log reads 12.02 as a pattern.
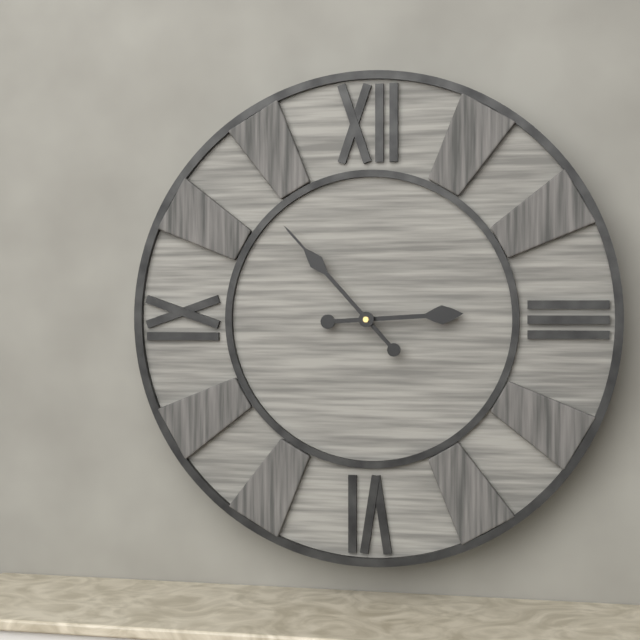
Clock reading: 2.53
